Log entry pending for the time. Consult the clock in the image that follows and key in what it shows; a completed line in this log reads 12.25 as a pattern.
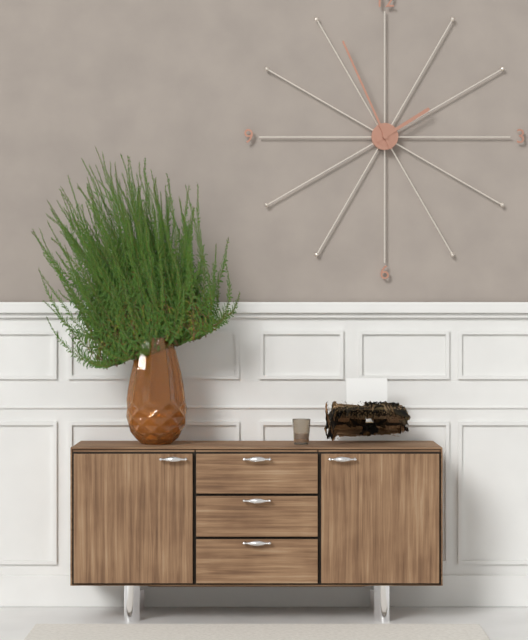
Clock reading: 1.56
